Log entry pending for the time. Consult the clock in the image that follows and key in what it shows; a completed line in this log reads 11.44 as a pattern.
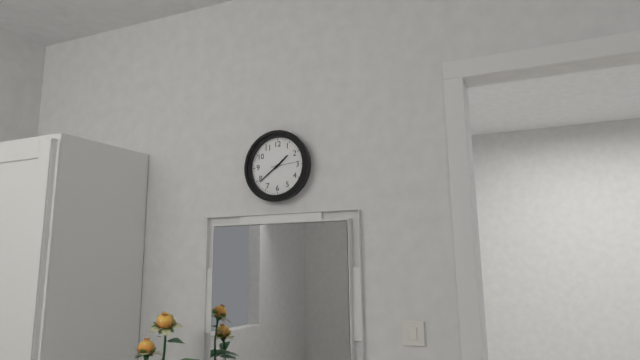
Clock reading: 1.39
